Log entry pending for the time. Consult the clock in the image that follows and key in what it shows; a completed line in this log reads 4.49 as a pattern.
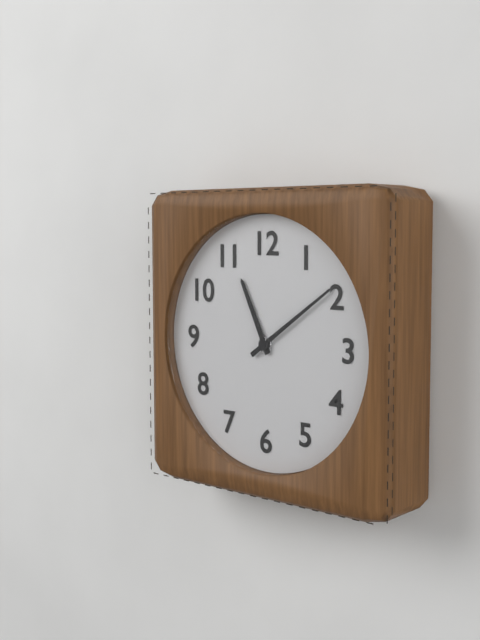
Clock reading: 11.09
